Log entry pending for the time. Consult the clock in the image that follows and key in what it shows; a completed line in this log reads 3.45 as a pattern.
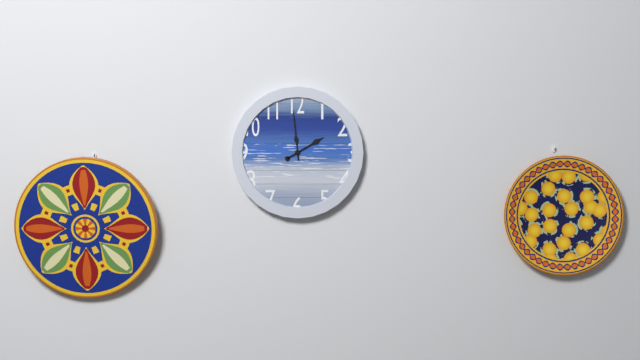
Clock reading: 1.59
